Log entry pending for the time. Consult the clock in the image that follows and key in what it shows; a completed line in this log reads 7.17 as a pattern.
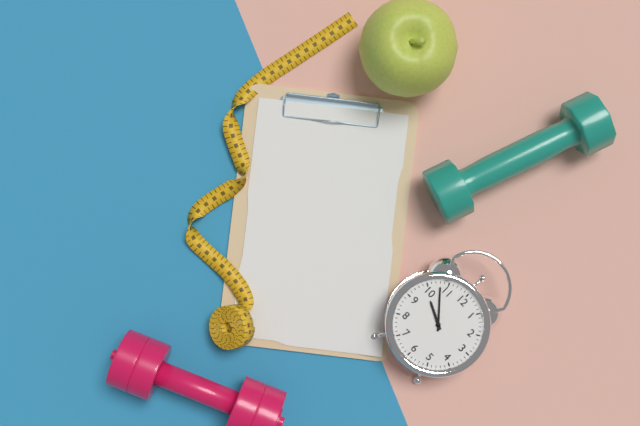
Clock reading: 9.53
